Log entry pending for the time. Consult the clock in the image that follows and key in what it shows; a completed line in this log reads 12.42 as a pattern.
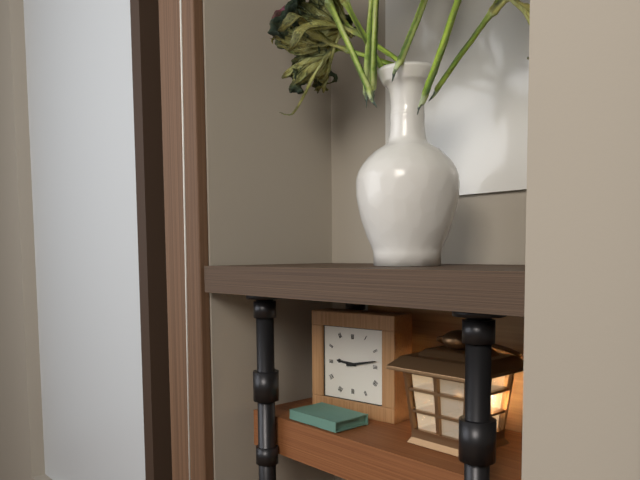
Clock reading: 9.13
